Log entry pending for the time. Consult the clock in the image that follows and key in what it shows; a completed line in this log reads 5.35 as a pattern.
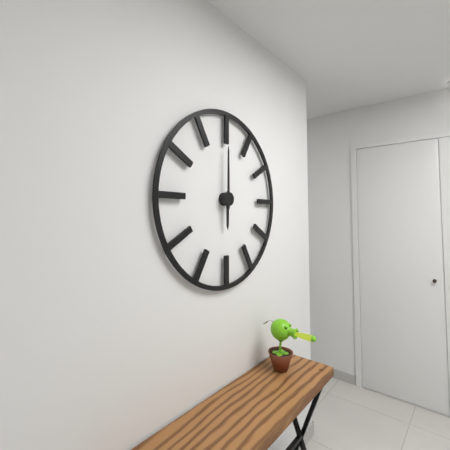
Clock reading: 6.00
